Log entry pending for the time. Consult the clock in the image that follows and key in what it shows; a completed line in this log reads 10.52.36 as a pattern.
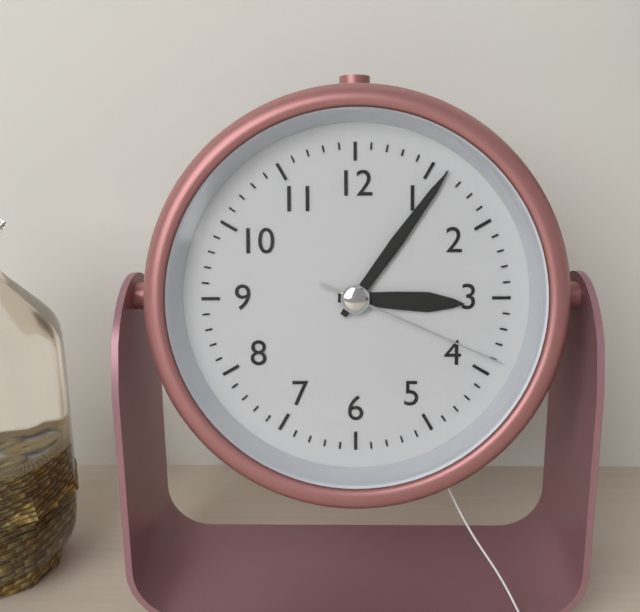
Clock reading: 3.06.19
